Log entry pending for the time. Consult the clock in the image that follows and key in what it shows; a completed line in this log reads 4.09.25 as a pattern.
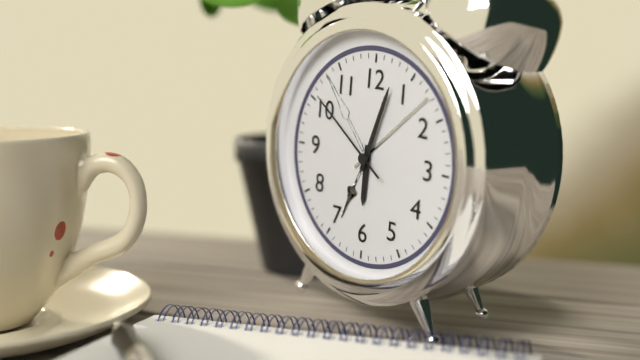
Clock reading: 6.03.51
